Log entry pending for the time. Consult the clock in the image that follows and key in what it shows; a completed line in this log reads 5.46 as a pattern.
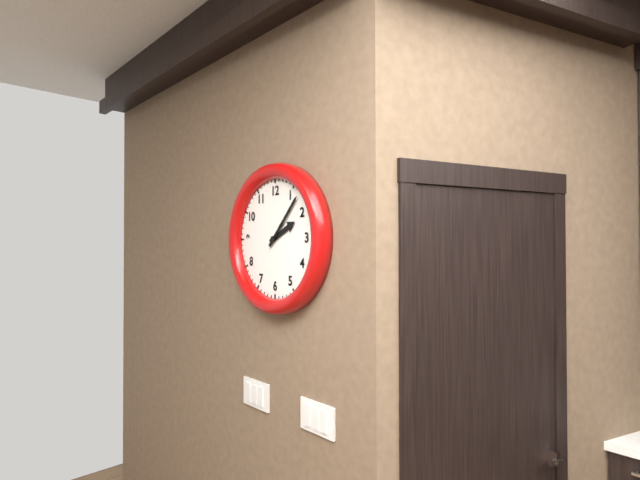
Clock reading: 2.07
